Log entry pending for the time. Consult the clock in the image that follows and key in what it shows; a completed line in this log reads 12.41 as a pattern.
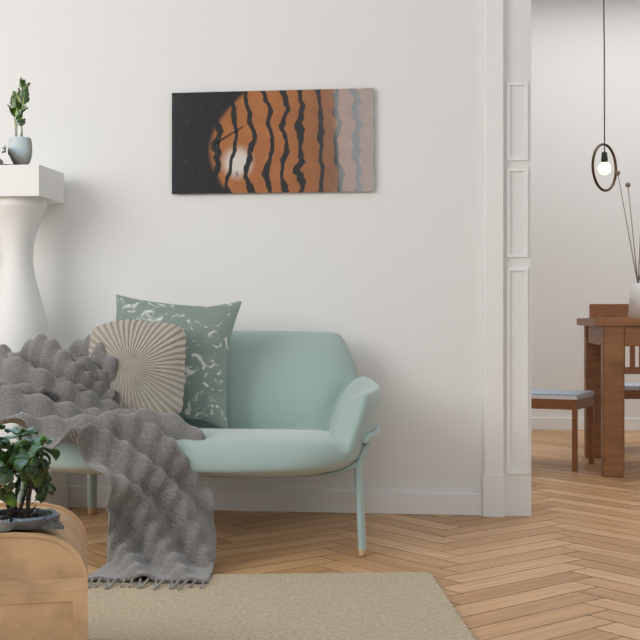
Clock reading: 6.10
